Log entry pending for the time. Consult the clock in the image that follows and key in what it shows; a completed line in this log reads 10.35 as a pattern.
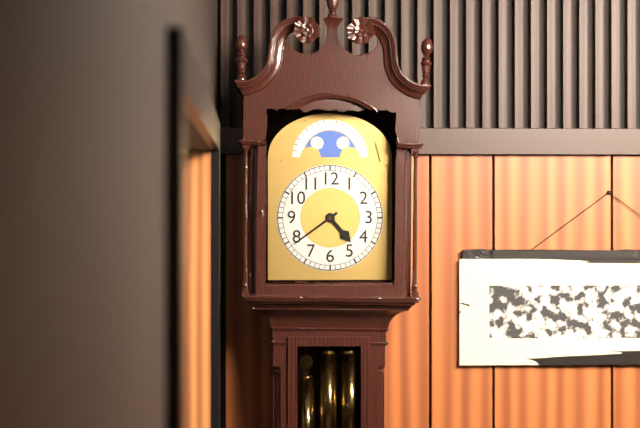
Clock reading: 4.39
